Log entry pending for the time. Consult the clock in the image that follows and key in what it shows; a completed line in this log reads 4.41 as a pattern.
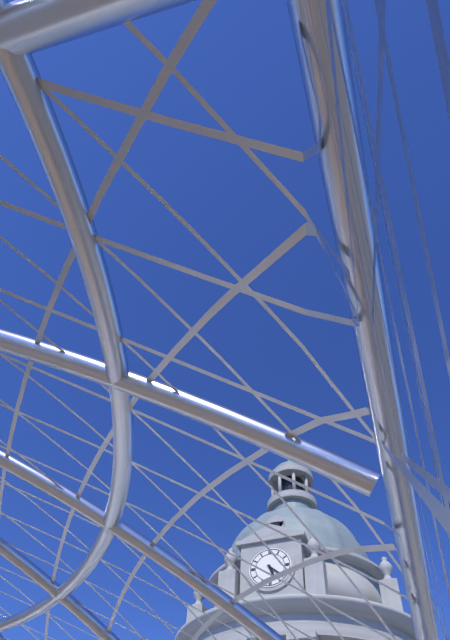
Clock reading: 5.22
